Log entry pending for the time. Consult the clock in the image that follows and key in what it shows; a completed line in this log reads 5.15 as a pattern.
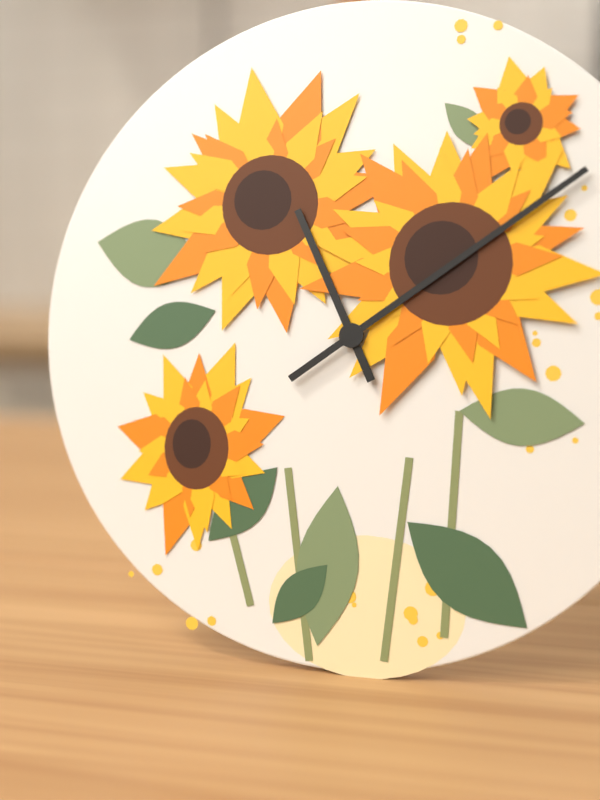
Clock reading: 11.09
